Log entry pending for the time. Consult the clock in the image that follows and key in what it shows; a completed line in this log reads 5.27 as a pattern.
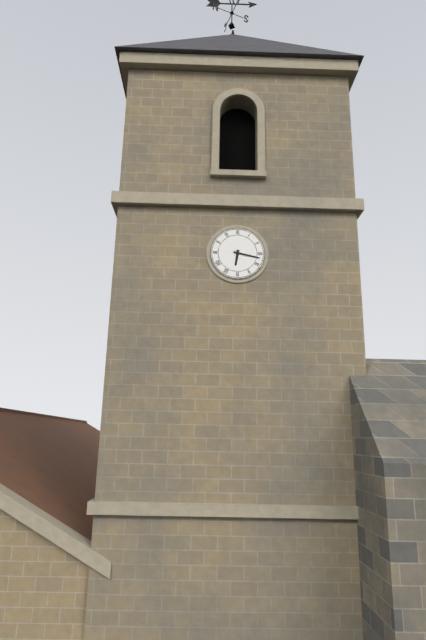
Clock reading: 6.17
